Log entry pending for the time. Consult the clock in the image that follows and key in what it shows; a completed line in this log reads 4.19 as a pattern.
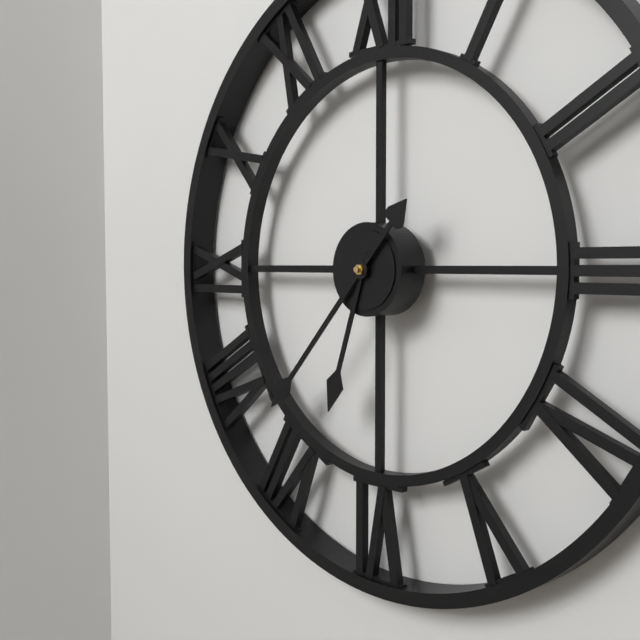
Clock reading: 6.37
